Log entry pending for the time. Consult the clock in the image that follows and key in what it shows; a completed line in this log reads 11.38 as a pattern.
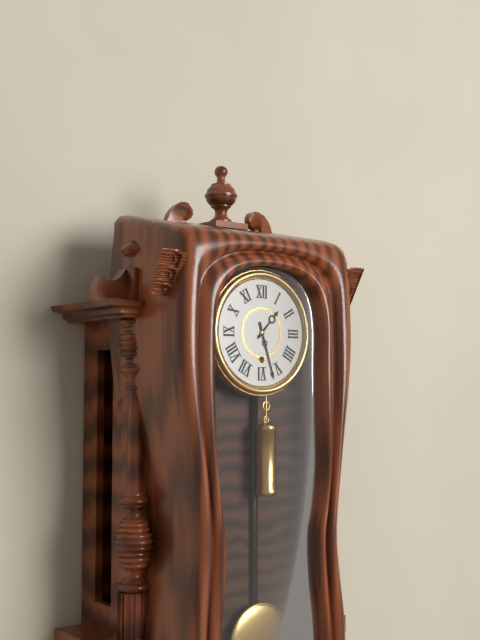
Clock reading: 1.27
